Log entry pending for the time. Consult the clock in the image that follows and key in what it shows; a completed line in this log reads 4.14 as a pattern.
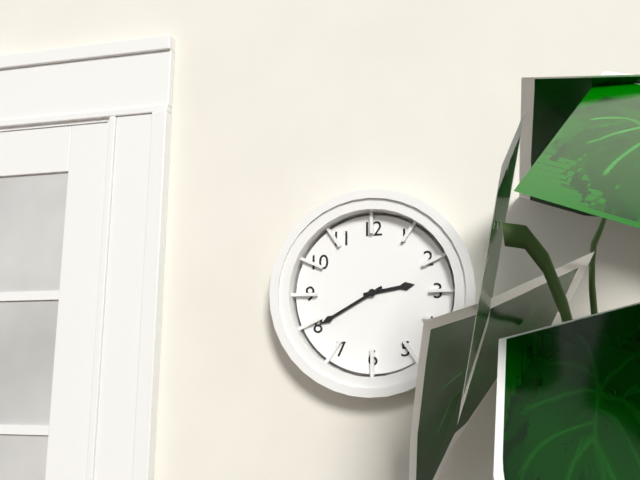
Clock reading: 2.40
